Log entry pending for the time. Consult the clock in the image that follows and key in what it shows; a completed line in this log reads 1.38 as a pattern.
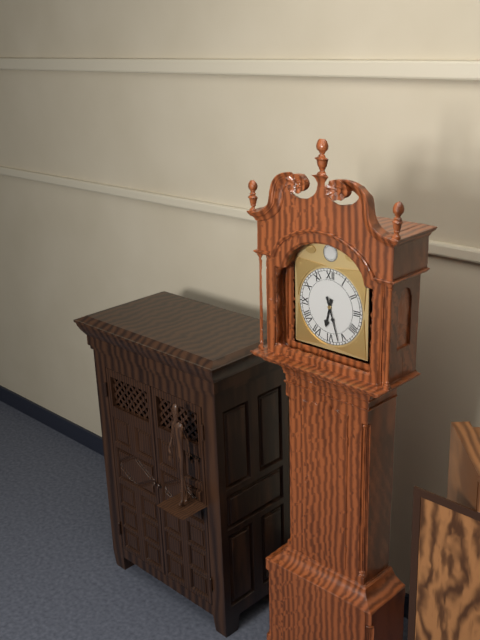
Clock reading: 6.27
